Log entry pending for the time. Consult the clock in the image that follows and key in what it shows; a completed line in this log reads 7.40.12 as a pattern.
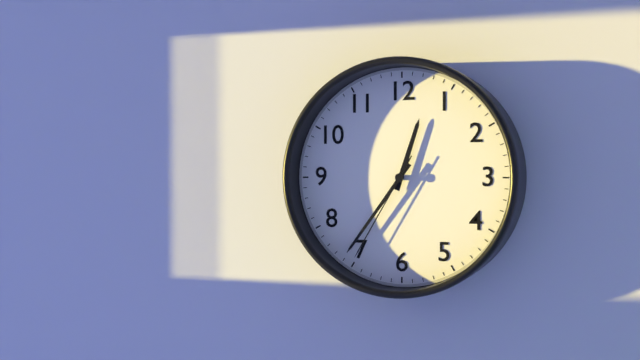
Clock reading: 12.36.35
